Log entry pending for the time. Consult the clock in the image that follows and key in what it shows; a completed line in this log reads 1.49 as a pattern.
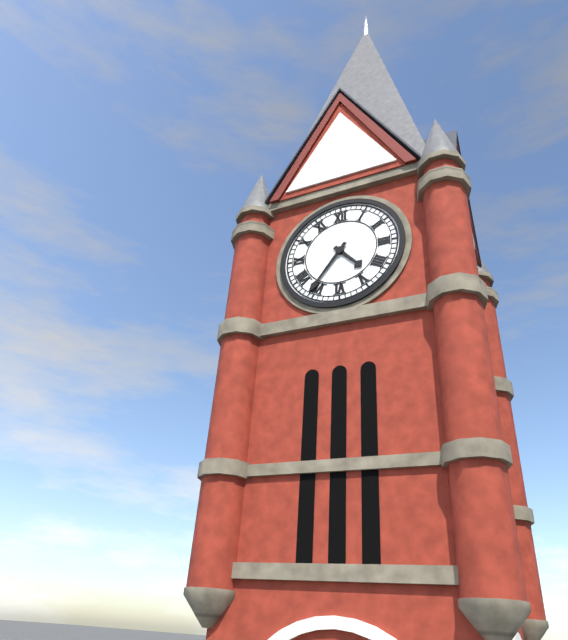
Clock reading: 4.36
